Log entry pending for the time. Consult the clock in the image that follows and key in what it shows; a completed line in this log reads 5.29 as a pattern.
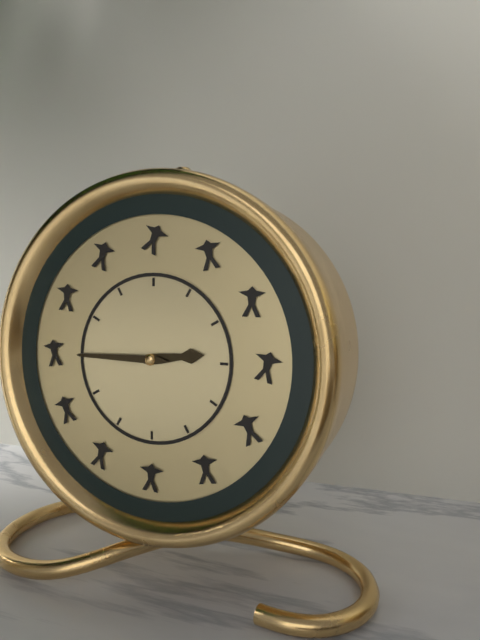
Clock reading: 2.45
